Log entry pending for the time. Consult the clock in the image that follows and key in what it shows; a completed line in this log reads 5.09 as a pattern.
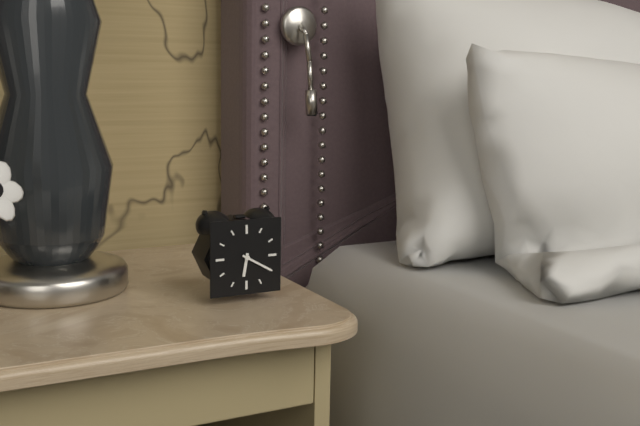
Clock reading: 6.20
